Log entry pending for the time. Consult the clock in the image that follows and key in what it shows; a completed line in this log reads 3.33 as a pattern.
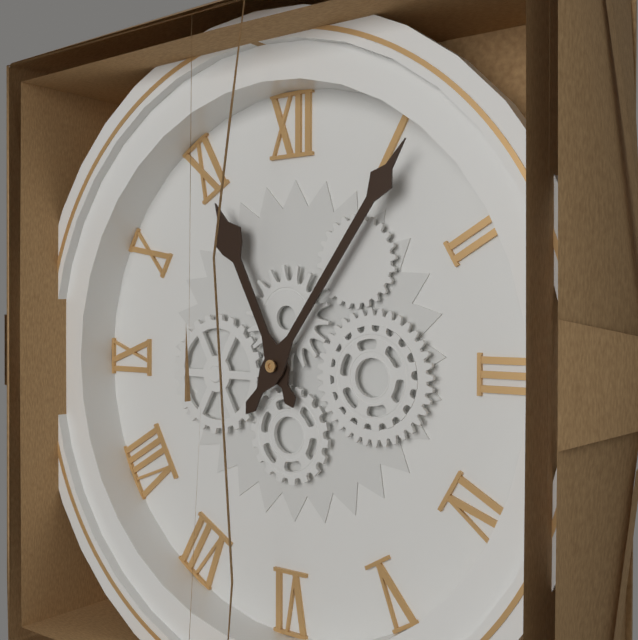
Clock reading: 11.06
